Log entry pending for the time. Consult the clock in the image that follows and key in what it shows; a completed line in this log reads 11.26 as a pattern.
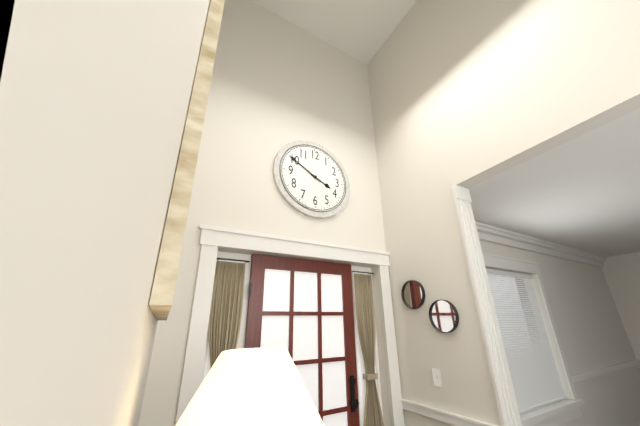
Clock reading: 3.50
